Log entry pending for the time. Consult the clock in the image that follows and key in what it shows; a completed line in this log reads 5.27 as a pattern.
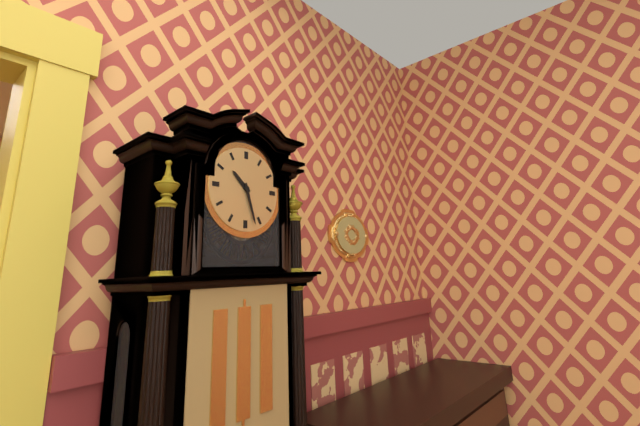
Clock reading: 10.27
